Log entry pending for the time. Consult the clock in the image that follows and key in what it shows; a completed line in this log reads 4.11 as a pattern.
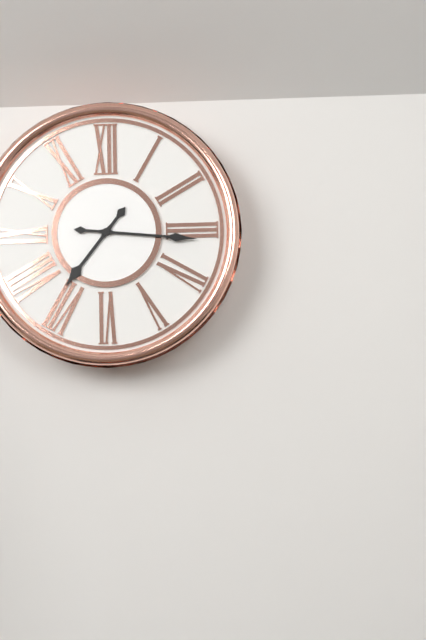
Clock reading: 7.16
